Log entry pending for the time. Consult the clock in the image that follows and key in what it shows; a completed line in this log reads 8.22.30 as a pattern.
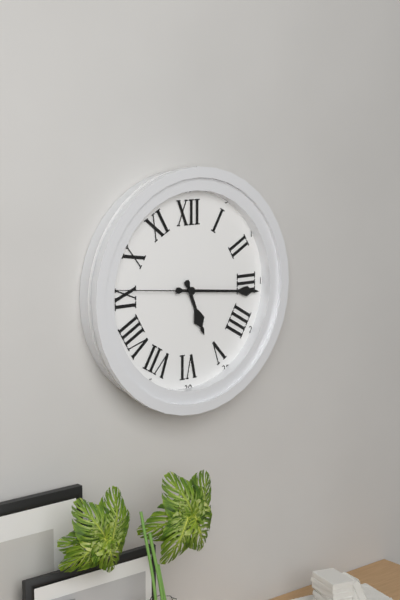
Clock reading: 5.16.46
